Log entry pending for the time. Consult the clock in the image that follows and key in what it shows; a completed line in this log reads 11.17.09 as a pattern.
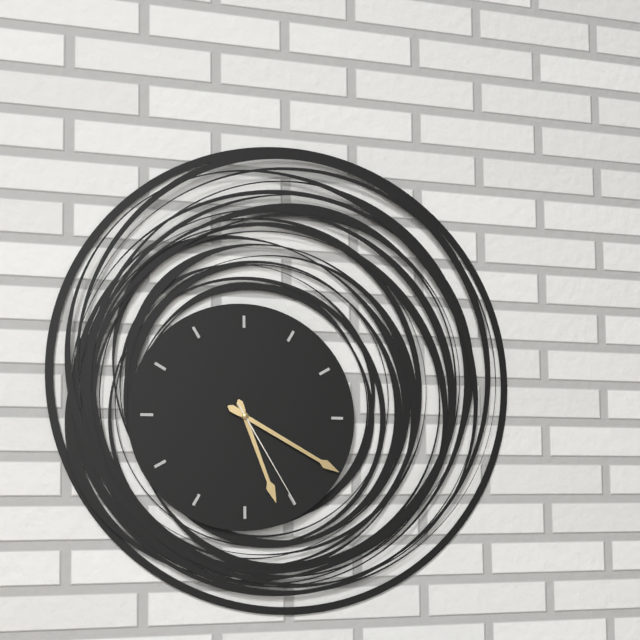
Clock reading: 5.20.25
